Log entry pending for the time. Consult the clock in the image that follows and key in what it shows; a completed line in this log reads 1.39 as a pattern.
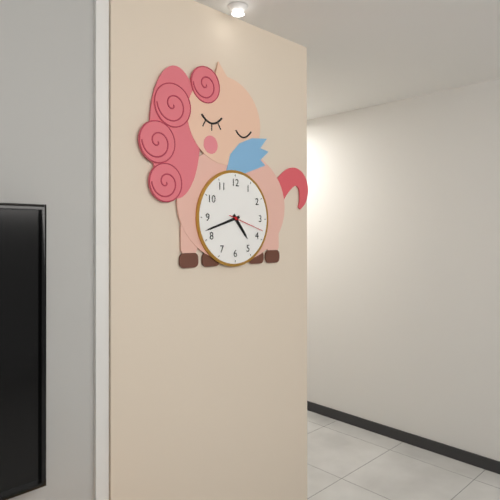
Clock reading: 4.42
